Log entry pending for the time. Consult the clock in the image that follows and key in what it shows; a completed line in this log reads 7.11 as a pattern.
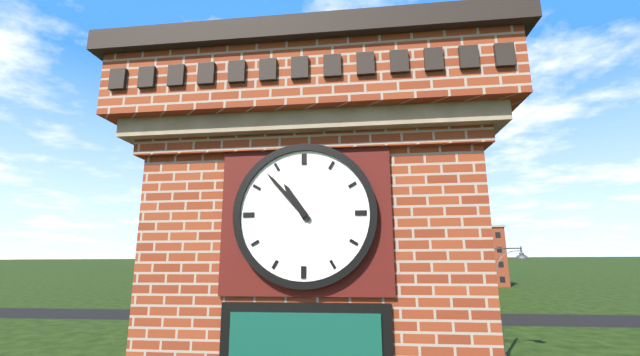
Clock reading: 10.53
